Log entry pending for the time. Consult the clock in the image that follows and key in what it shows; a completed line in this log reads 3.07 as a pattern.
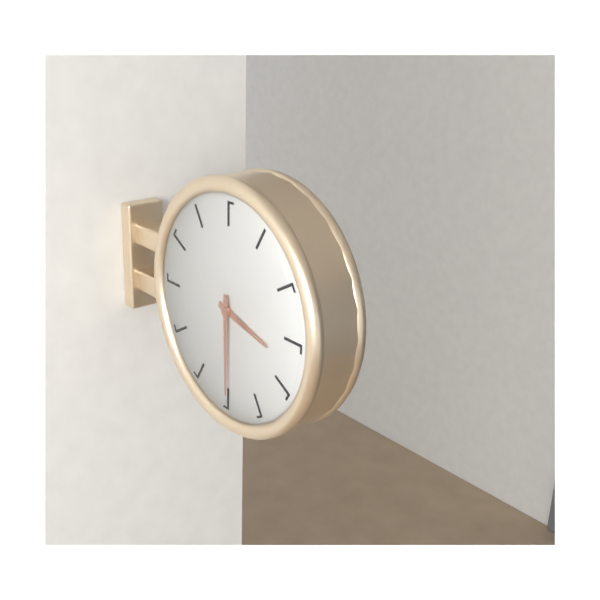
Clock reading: 3.30
